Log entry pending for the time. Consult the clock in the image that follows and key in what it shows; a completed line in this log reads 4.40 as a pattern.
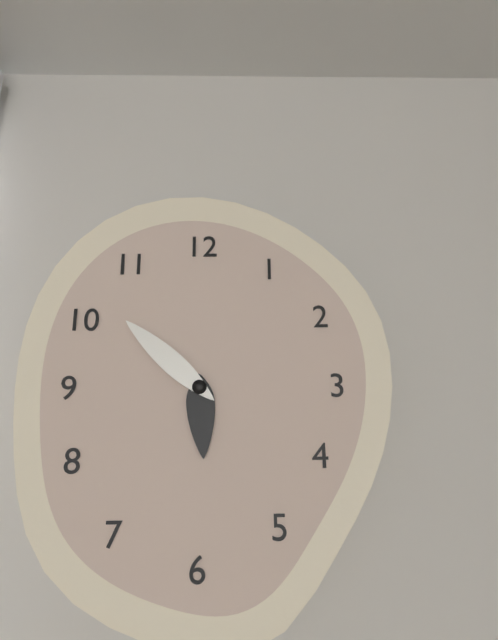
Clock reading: 5.52
